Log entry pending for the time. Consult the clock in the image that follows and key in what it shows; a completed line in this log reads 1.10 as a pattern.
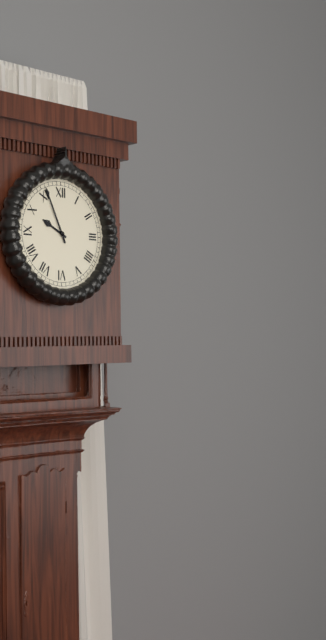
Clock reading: 9.56
